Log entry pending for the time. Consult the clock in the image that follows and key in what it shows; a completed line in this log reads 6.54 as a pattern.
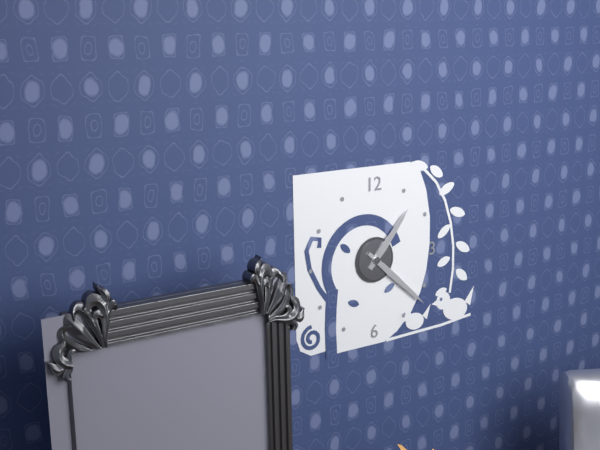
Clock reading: 1.22
